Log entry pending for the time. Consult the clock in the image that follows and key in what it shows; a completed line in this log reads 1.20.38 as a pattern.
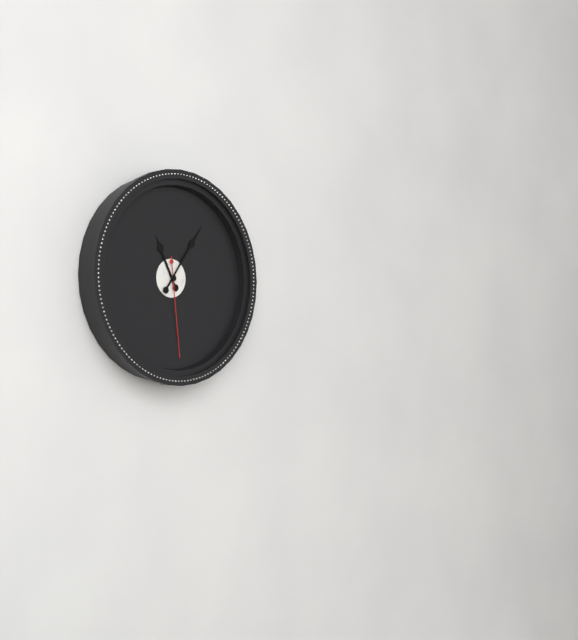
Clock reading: 11.06.29
